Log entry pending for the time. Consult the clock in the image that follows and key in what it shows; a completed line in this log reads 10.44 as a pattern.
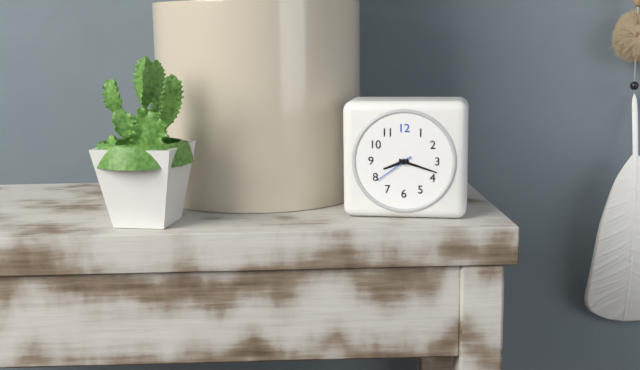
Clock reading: 8.18
